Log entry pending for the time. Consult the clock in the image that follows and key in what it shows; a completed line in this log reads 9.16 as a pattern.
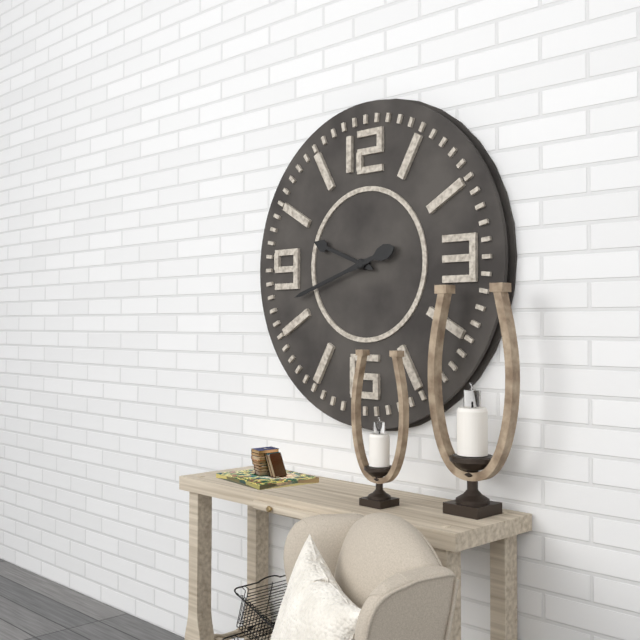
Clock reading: 9.42
